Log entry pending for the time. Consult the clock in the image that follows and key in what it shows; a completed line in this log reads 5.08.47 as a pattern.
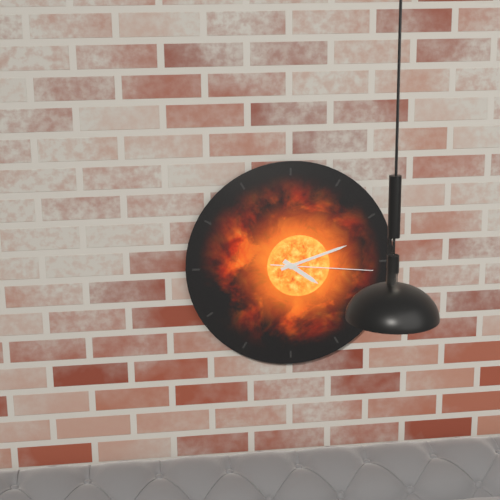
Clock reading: 4.12.16
